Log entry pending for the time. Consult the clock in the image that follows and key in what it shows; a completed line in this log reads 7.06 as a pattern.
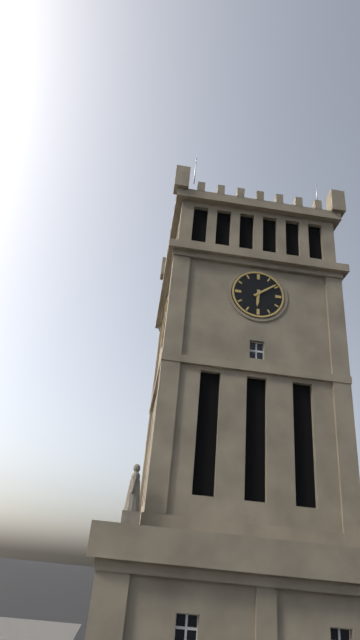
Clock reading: 6.09
